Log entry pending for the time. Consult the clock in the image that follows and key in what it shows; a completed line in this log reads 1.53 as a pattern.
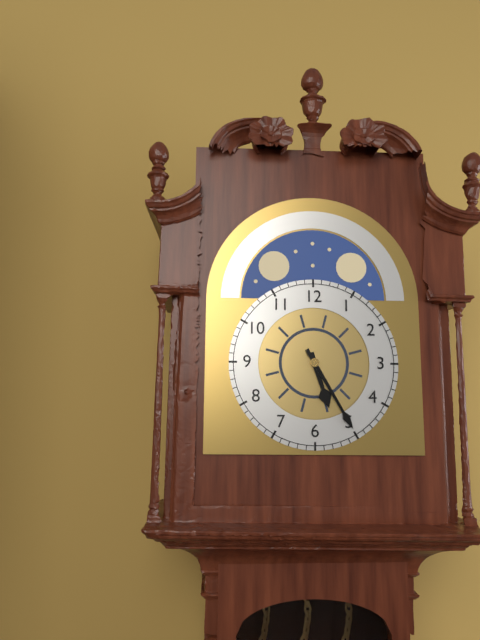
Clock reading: 5.25
